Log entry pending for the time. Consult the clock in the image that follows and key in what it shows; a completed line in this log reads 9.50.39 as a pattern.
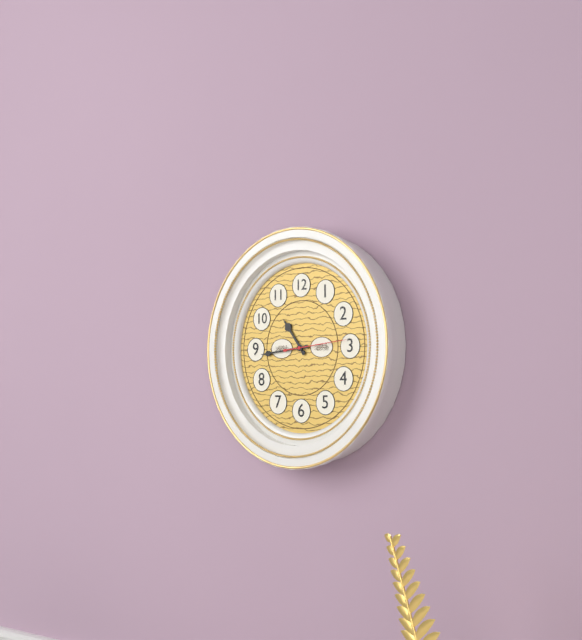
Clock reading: 10.44.14
